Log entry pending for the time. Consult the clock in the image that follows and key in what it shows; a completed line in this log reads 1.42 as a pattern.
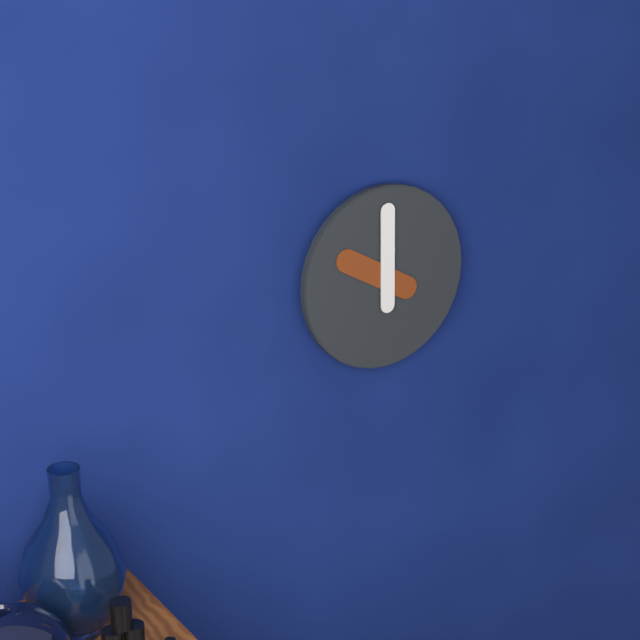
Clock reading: 10.00
